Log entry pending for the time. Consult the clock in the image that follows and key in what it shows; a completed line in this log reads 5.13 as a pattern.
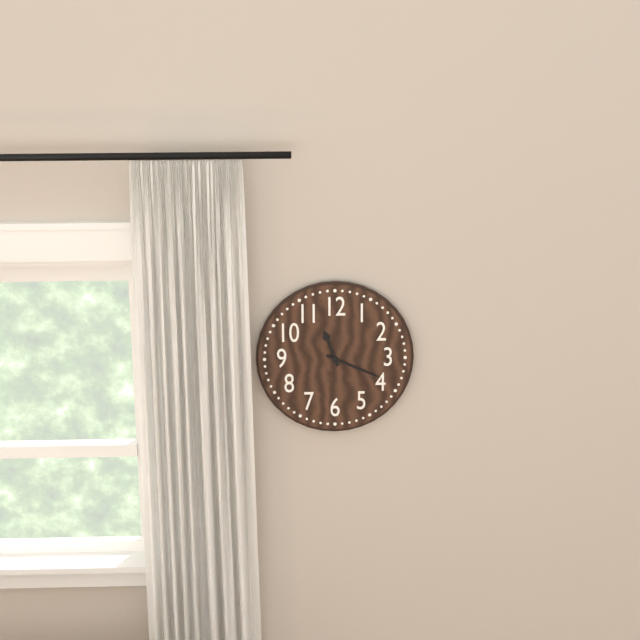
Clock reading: 11.19
